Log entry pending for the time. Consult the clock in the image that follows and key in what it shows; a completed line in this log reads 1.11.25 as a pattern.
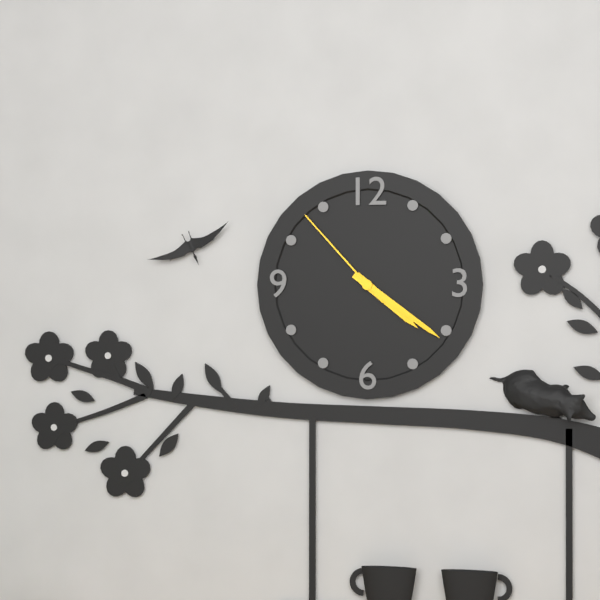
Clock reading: 4.21.53
